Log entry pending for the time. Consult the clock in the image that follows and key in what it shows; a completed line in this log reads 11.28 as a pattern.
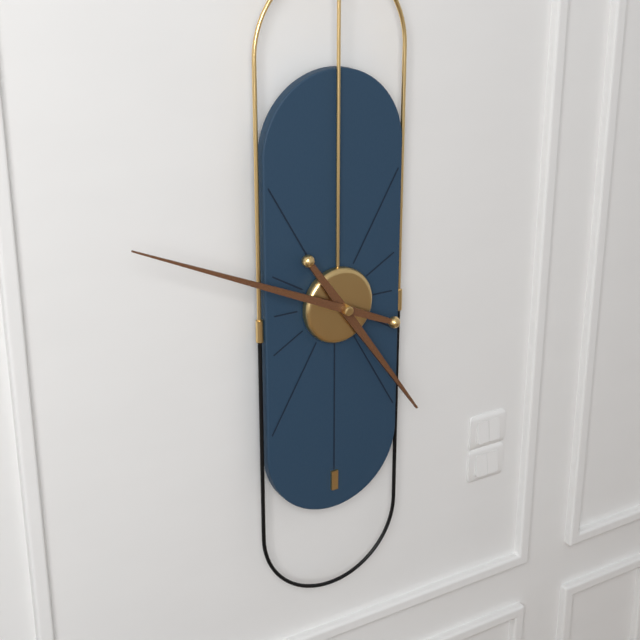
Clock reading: 4.49
